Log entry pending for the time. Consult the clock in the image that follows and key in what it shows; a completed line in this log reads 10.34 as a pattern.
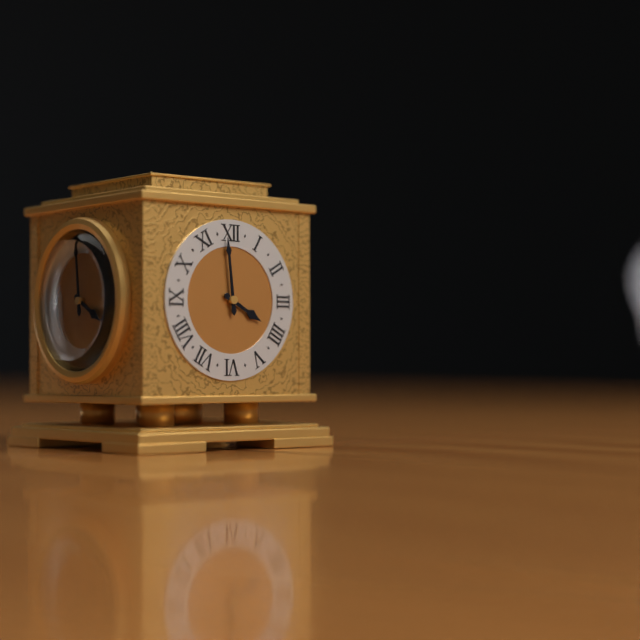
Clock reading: 3.59
